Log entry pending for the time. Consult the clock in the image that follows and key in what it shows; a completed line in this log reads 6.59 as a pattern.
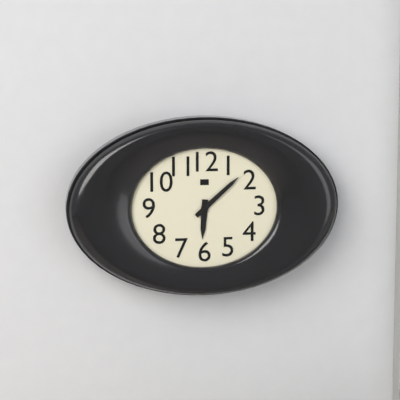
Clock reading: 6.08
